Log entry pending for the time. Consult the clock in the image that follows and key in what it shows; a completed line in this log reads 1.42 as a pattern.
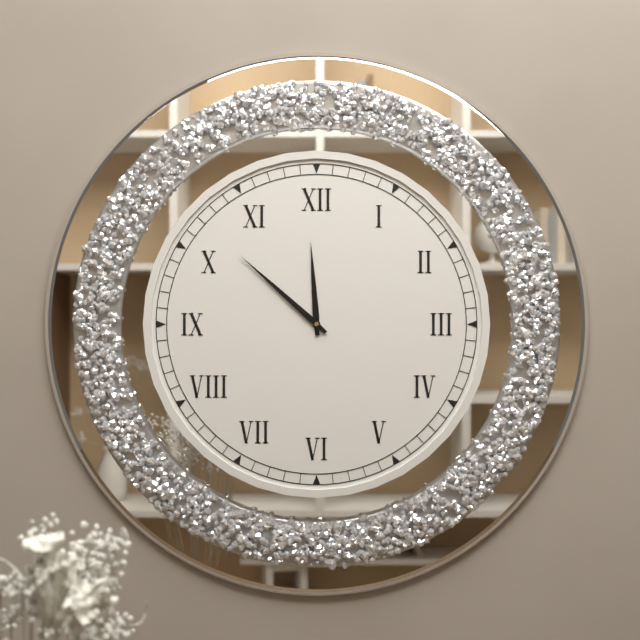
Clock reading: 11.52
